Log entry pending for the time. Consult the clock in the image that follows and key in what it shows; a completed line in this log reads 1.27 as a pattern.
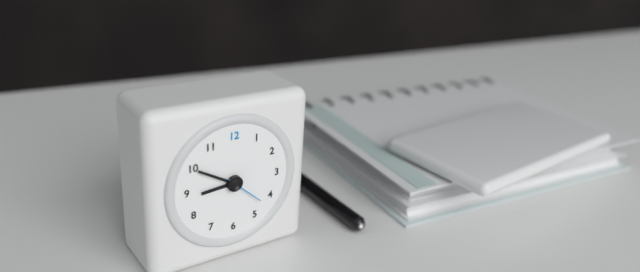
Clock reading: 8.50
